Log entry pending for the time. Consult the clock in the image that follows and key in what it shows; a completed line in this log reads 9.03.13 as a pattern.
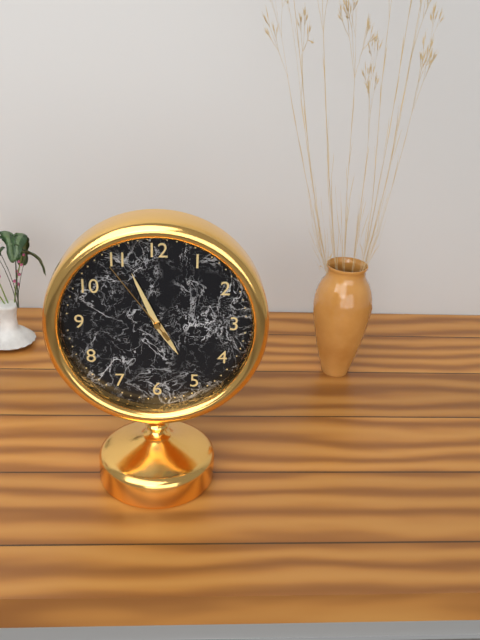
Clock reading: 4.56.54
